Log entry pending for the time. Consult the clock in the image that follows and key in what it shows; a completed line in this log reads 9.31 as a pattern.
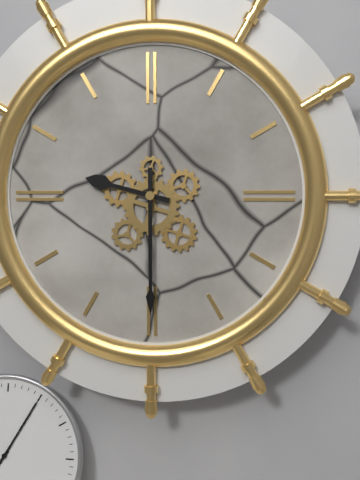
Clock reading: 9.30
